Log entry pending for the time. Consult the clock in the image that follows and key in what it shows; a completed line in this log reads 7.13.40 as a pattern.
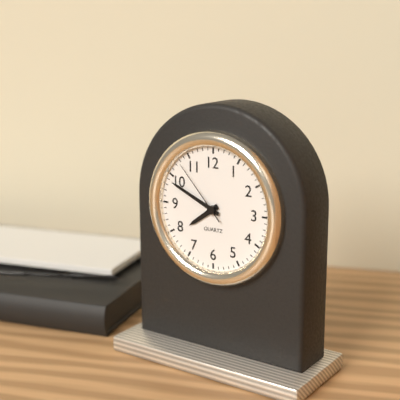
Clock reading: 7.49.53
